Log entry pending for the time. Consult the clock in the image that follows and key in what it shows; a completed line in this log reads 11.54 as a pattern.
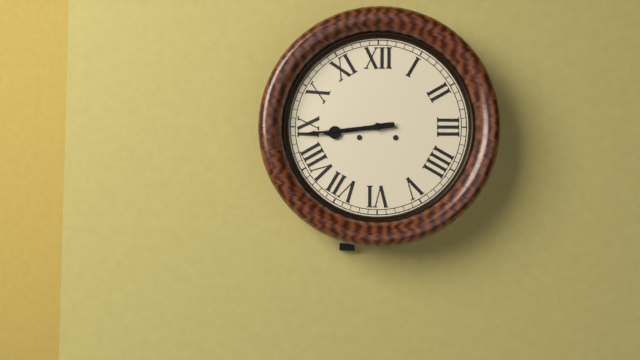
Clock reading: 8.44
